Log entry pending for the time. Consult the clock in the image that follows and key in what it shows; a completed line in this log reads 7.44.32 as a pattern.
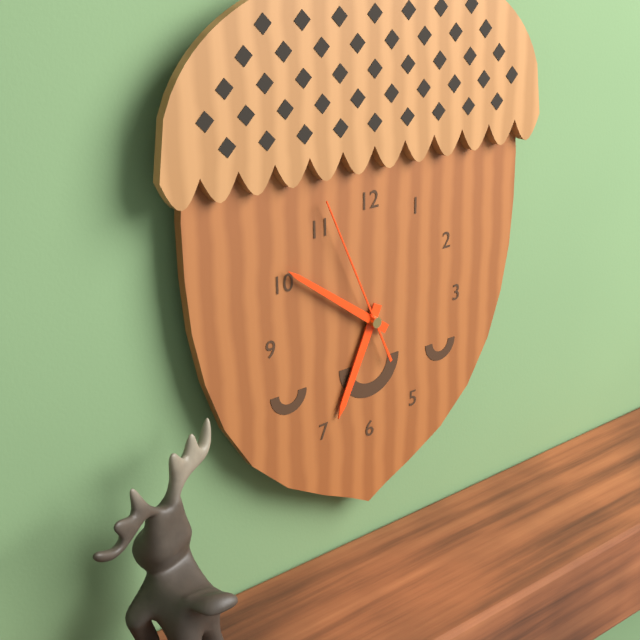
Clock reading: 6.51.56
